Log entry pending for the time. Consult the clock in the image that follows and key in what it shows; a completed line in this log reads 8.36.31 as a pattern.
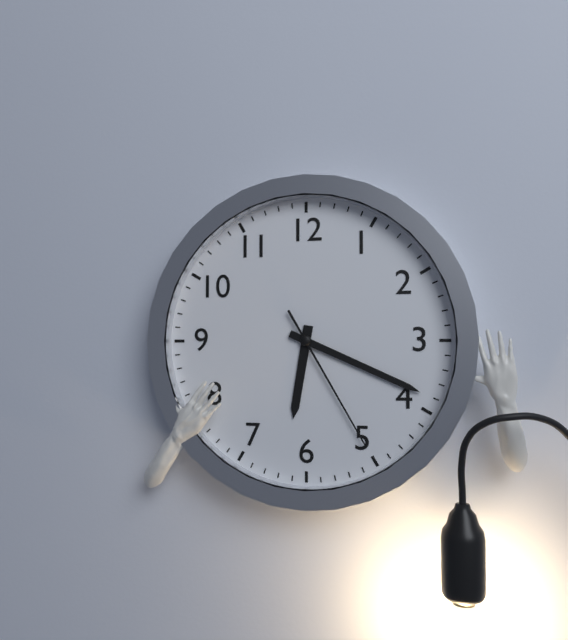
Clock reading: 6.19.25
